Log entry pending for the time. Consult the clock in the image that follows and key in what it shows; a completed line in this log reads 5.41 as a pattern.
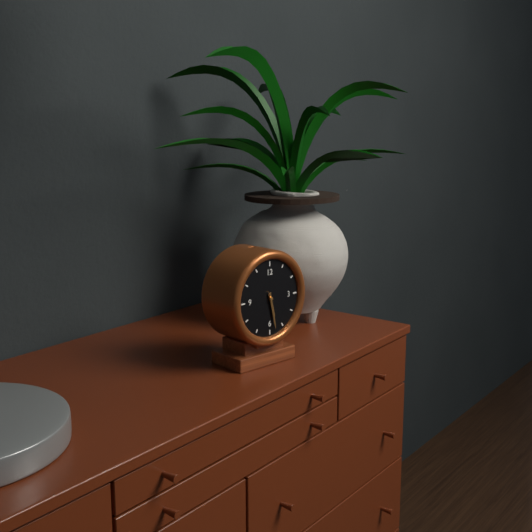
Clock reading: 5.28
